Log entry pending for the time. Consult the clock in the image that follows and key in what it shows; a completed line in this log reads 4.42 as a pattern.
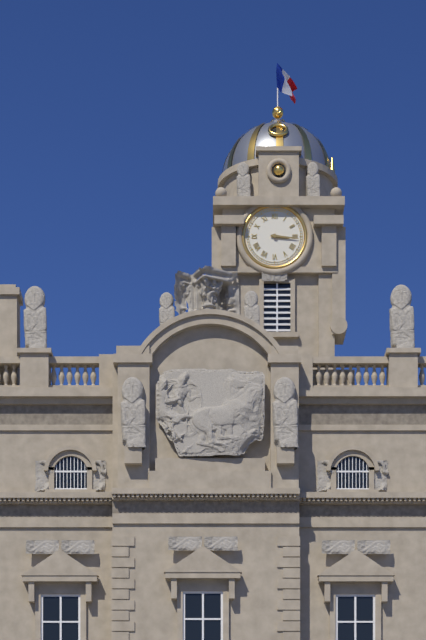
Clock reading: 3.16
